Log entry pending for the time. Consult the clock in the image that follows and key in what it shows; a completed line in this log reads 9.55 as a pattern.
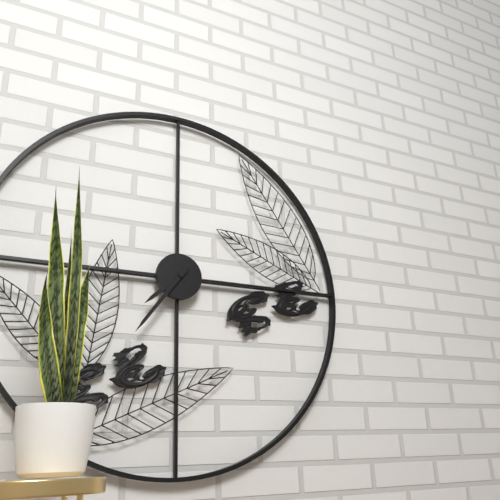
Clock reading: 7.36
